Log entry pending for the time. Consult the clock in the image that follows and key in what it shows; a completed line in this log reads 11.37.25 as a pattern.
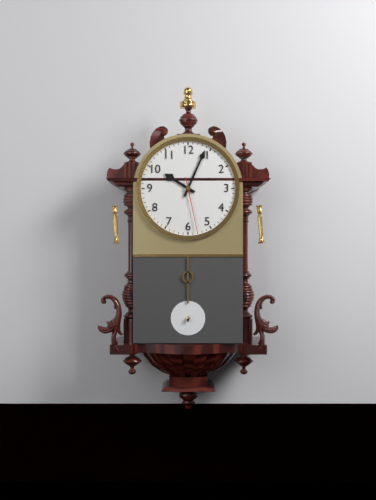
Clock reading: 10.04.28
